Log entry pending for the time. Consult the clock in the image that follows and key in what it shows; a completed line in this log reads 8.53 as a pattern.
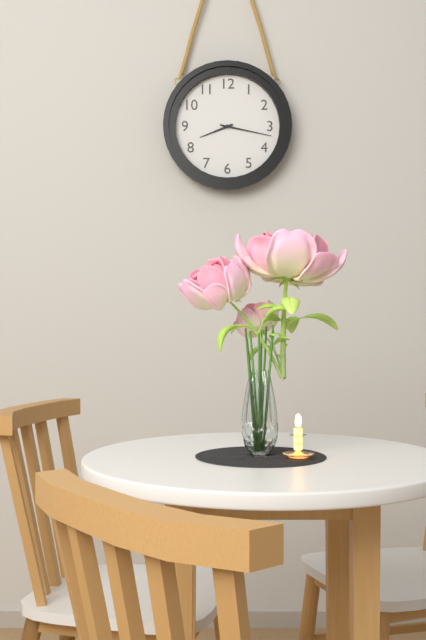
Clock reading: 8.17
